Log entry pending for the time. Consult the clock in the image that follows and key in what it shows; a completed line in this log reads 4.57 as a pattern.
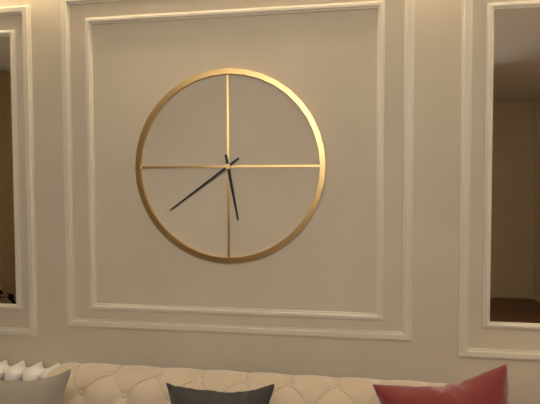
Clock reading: 5.39
